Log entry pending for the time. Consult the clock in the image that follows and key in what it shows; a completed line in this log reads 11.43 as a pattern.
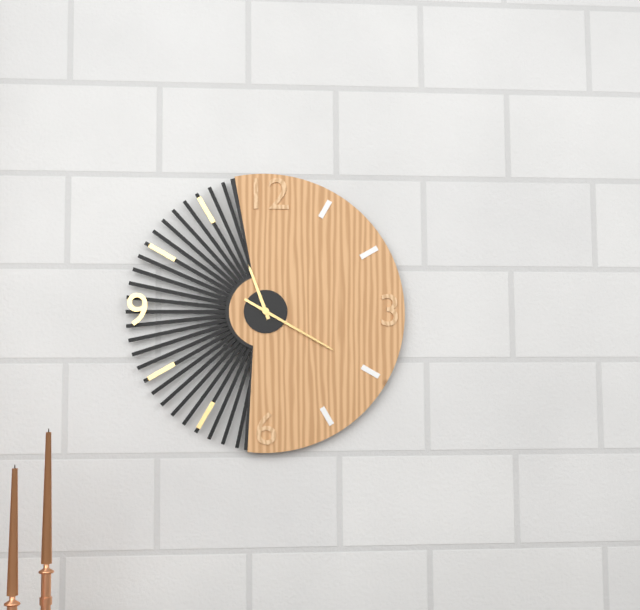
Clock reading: 11.20
